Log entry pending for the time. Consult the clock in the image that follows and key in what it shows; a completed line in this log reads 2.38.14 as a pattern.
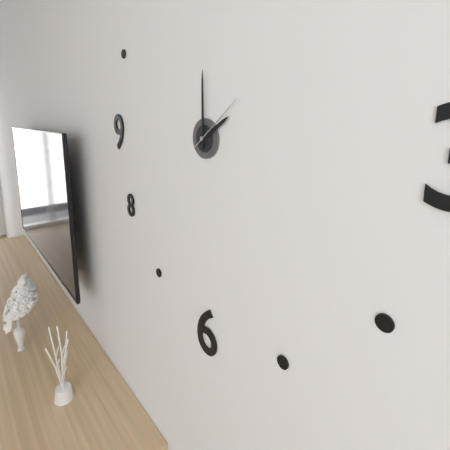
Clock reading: 2.00.09
